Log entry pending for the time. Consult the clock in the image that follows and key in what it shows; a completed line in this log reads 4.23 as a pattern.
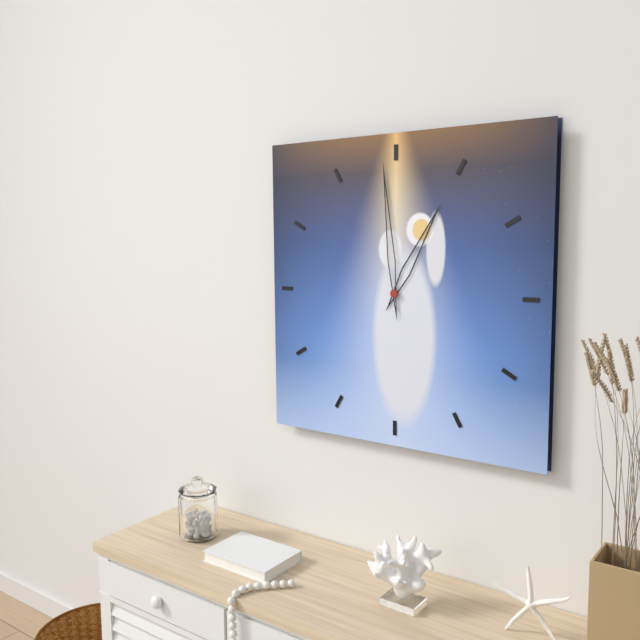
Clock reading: 12.59
